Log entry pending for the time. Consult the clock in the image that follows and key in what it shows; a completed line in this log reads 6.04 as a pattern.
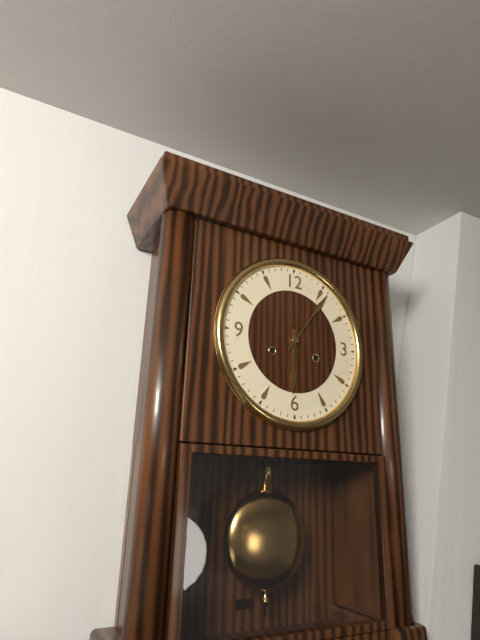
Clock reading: 6.06
